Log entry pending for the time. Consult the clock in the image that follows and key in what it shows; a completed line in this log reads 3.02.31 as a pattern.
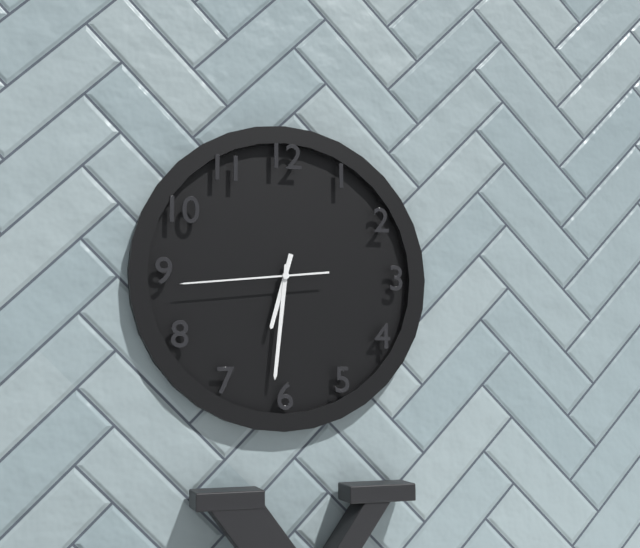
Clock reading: 6.31.44
